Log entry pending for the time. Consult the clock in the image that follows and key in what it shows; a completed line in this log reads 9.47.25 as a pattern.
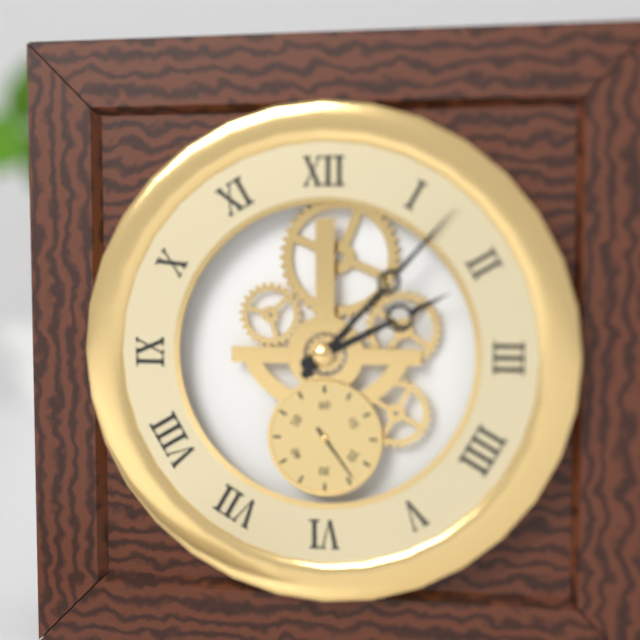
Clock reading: 2.07.24
